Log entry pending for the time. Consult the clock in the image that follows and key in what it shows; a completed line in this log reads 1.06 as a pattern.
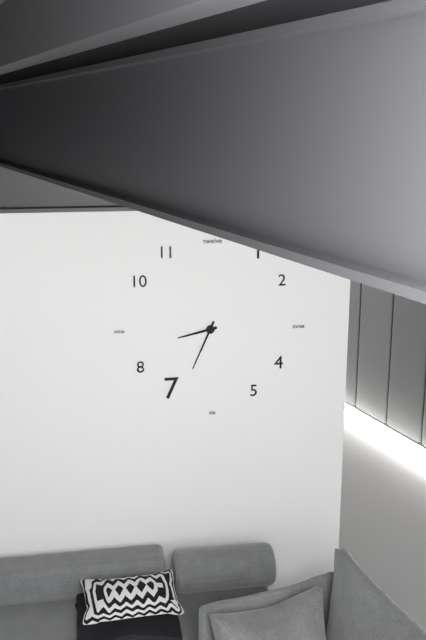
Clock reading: 8.34
